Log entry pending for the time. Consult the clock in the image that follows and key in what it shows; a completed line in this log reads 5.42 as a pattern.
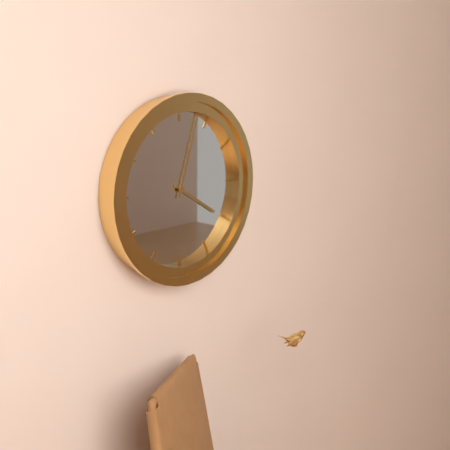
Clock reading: 4.03
